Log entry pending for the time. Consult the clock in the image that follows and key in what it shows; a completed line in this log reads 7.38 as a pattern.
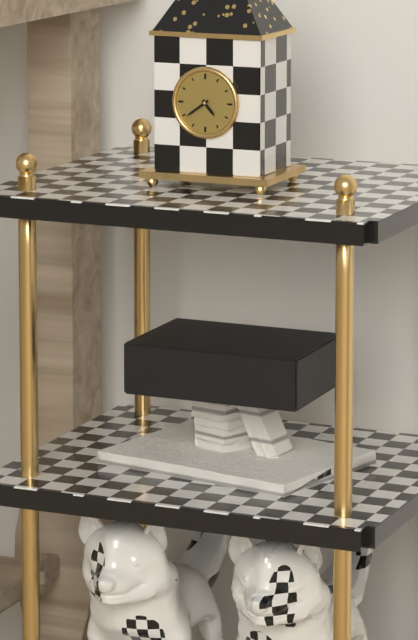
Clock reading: 4.39
